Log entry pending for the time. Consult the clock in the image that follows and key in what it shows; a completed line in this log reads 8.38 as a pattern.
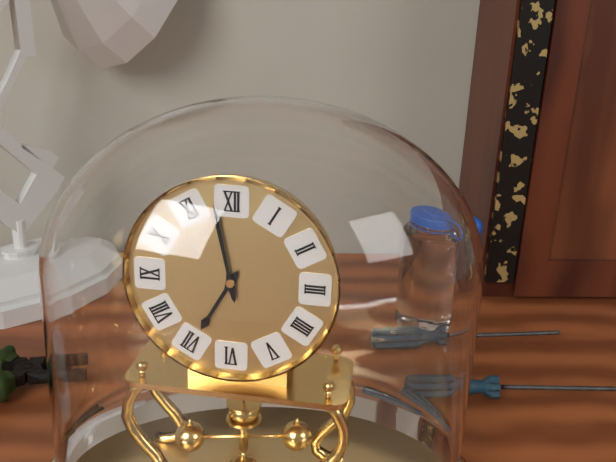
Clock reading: 6.58
